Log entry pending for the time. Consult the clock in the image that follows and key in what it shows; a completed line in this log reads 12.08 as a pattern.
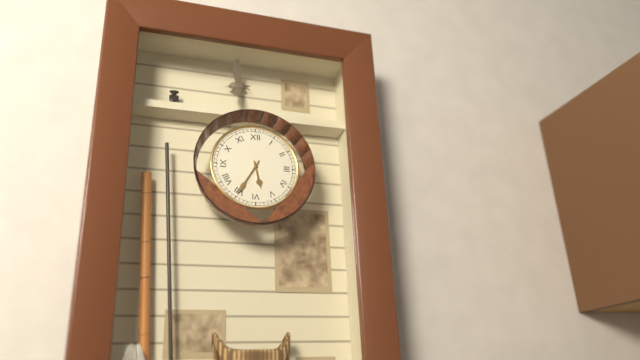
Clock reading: 5.35
